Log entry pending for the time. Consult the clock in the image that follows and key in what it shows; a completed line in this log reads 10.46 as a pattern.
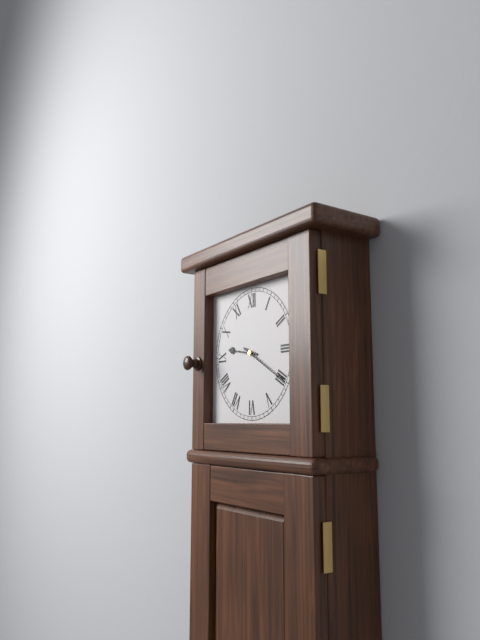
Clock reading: 9.20
